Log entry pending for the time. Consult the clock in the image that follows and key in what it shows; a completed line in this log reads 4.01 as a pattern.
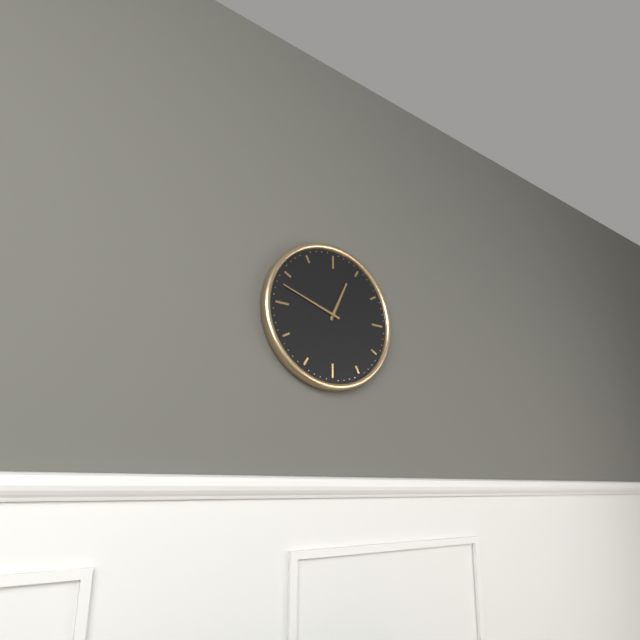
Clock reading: 12.48
